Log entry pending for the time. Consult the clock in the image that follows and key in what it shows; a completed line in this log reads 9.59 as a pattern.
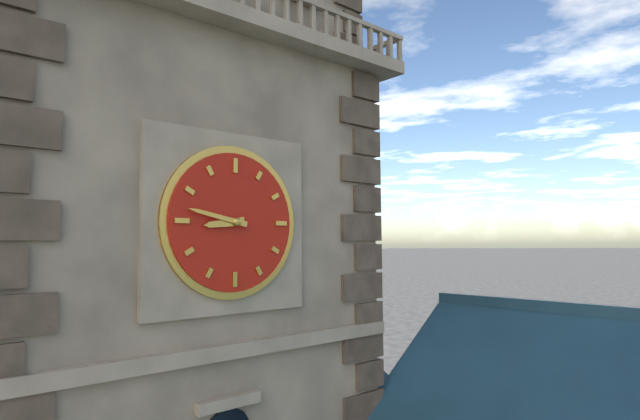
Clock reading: 8.47
